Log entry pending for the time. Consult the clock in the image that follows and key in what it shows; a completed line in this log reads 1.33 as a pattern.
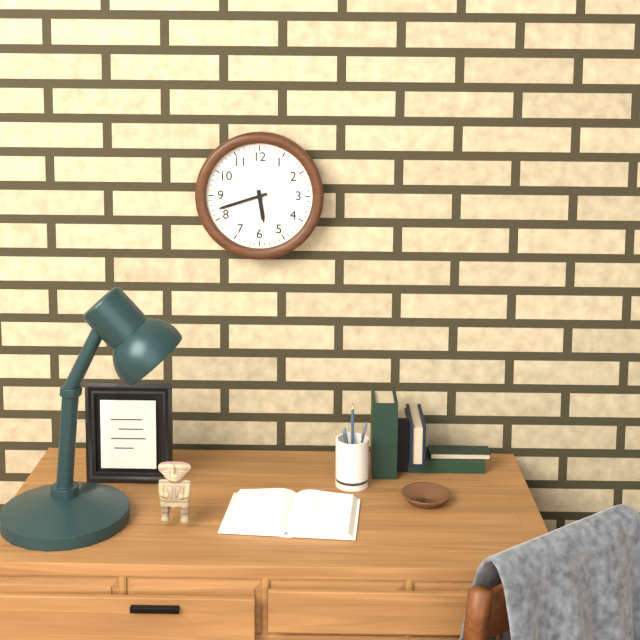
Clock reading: 5.42
